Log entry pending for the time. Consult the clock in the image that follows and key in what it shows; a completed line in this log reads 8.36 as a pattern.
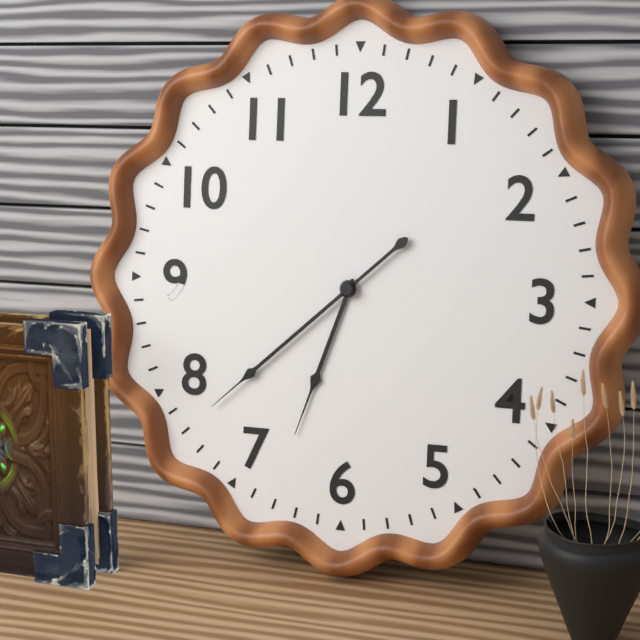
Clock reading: 6.38
